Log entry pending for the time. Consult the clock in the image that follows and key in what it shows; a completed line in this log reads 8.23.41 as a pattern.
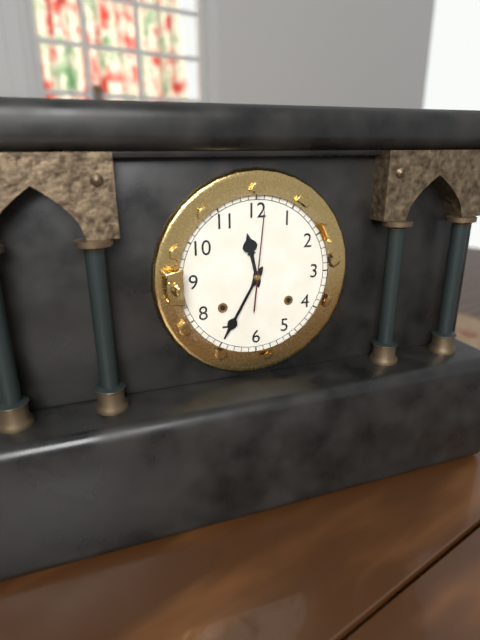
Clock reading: 11.35.01
